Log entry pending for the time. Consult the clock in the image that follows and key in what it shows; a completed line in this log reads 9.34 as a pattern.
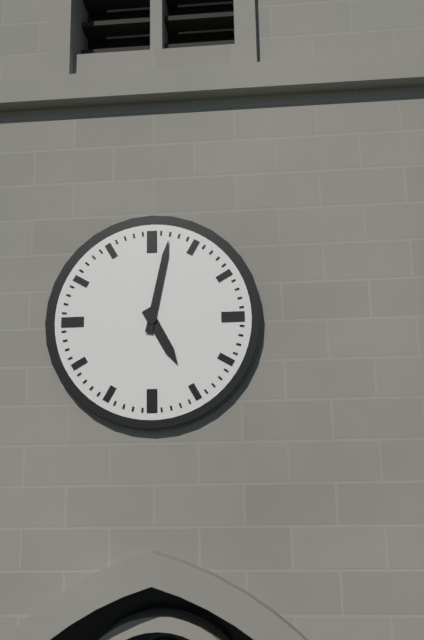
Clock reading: 5.02
